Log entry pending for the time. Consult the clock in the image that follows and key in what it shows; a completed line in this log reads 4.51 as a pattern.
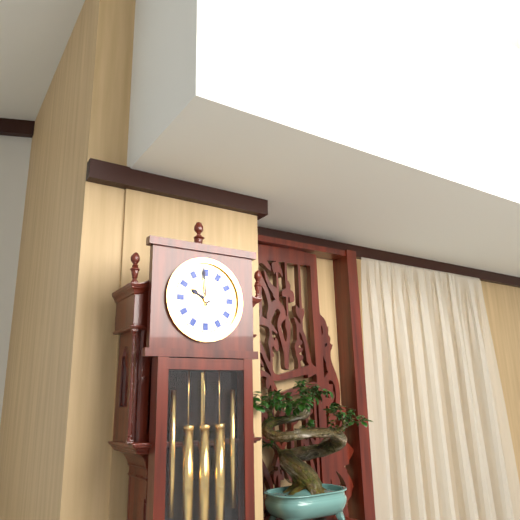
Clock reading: 9.59
